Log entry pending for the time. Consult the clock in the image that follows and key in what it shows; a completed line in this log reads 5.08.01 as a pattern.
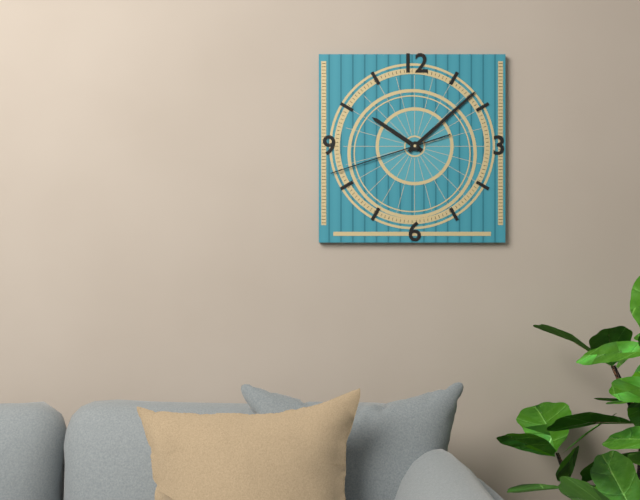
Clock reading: 10.08.42
